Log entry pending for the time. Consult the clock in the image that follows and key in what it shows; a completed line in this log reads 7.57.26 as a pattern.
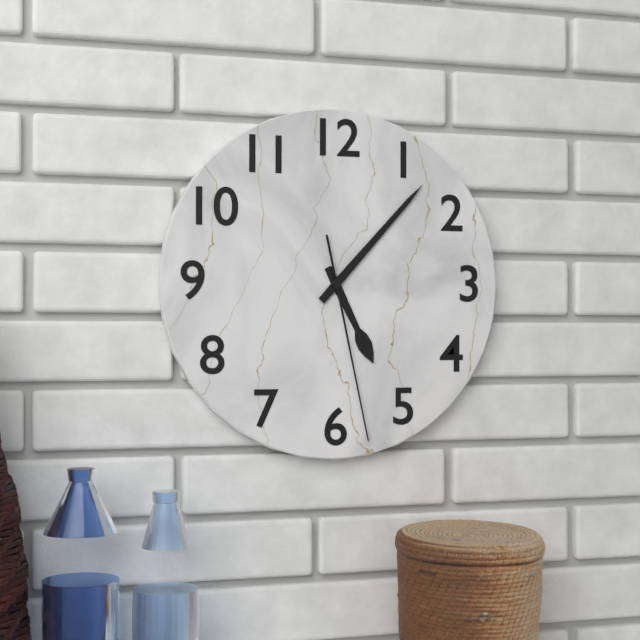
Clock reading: 5.07.28
